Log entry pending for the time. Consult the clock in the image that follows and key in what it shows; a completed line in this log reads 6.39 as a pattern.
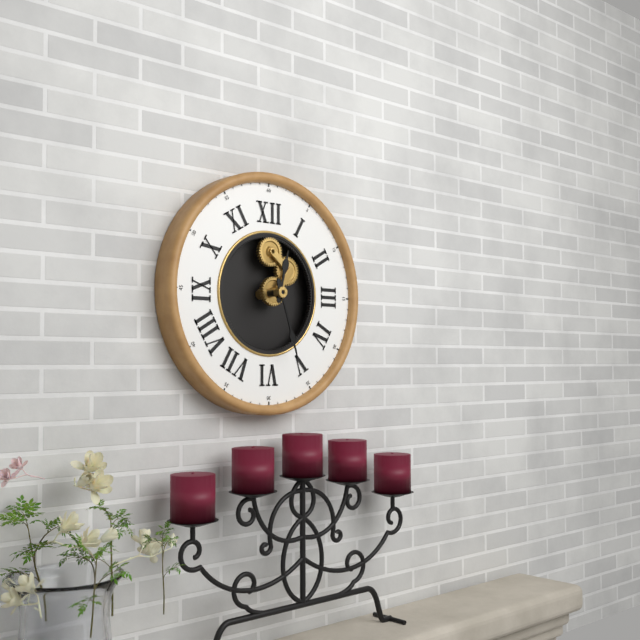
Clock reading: 12.27
